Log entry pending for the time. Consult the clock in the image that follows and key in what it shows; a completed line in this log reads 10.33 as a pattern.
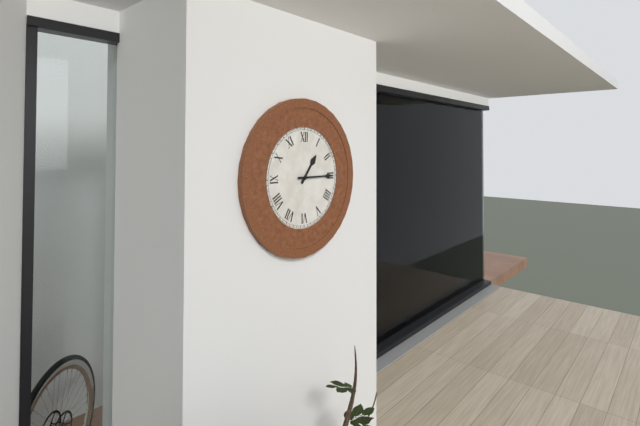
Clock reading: 1.15
